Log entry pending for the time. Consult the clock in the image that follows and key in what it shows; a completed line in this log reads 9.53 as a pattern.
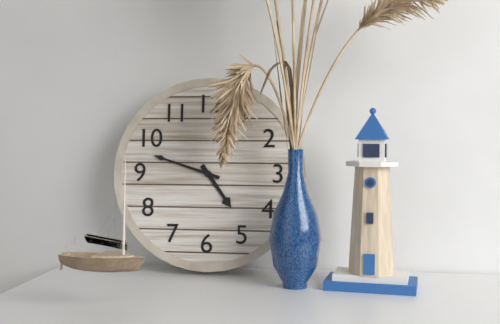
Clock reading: 4.48
